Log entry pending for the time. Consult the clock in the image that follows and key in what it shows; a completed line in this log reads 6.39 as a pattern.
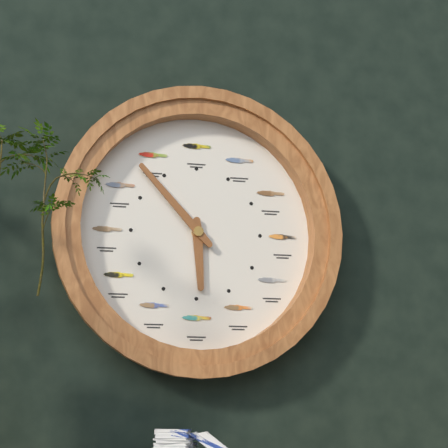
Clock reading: 5.53
